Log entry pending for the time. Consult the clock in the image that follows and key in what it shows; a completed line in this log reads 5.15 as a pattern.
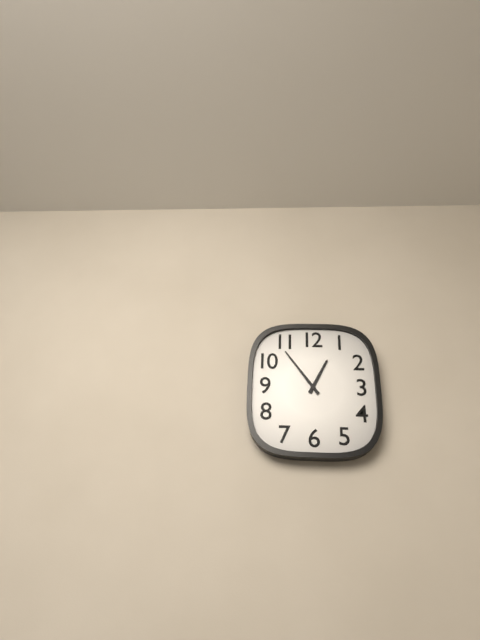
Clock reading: 12.54
